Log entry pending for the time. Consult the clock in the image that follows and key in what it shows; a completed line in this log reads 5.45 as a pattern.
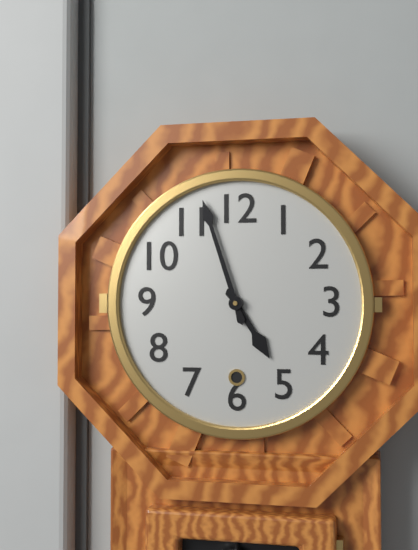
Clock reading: 4.57
